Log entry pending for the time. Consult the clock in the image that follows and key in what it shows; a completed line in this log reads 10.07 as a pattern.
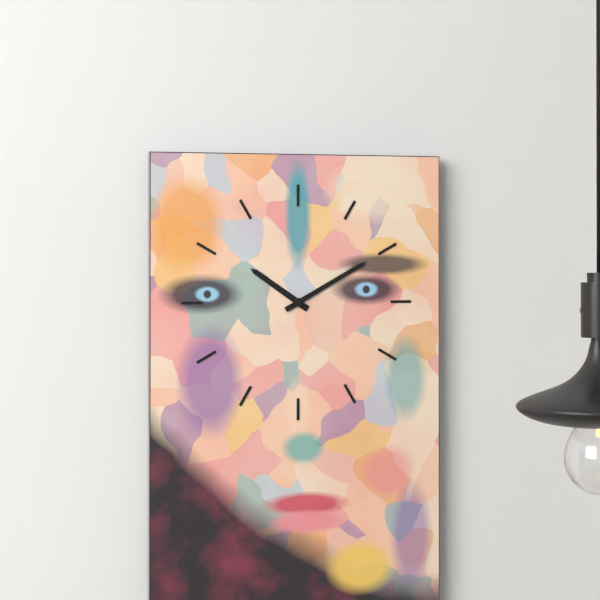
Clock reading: 10.10
